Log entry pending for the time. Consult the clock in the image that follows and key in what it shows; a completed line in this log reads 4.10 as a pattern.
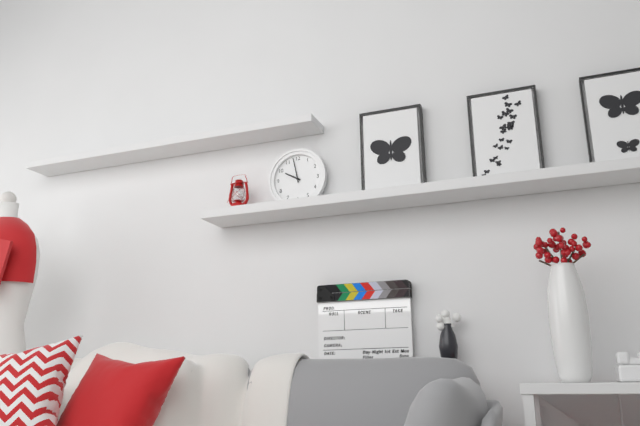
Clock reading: 9.58
